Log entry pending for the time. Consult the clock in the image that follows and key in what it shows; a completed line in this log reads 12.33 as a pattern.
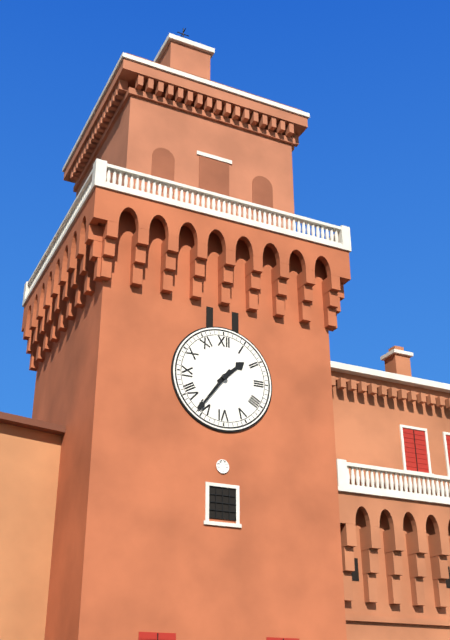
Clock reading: 1.36
